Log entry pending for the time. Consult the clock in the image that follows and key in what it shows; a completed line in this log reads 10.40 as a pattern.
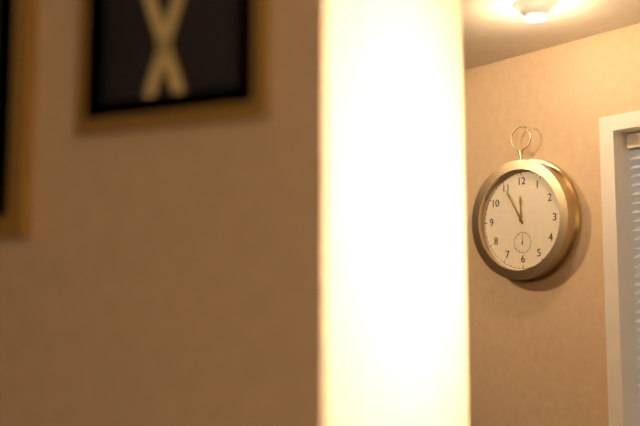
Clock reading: 11.55
